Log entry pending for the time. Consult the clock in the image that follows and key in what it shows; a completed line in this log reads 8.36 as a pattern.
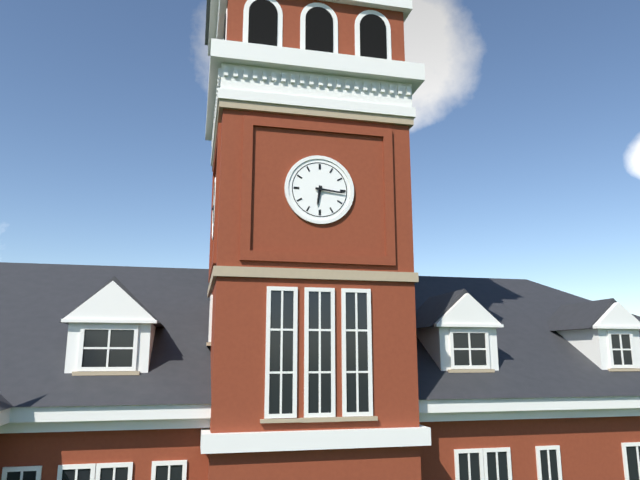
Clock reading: 6.16
